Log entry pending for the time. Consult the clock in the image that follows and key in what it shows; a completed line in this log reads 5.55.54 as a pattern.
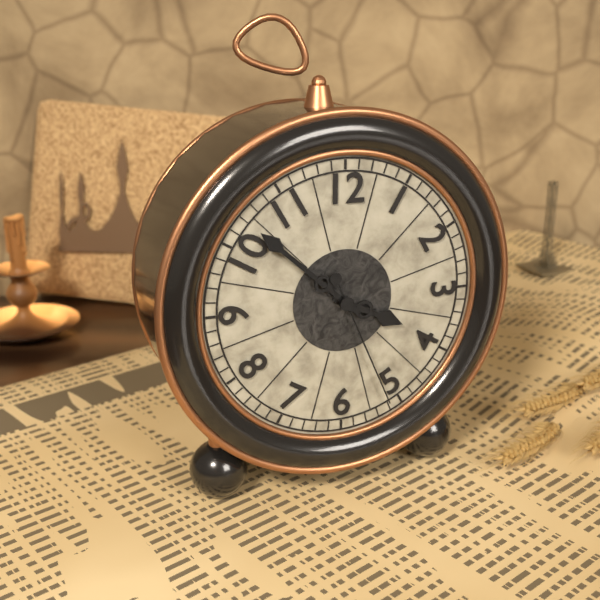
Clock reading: 3.52.26
